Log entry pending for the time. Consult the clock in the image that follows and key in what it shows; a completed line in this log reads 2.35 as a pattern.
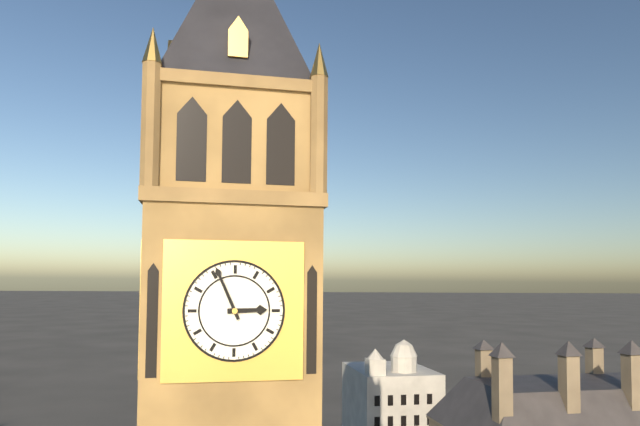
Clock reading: 2.56
